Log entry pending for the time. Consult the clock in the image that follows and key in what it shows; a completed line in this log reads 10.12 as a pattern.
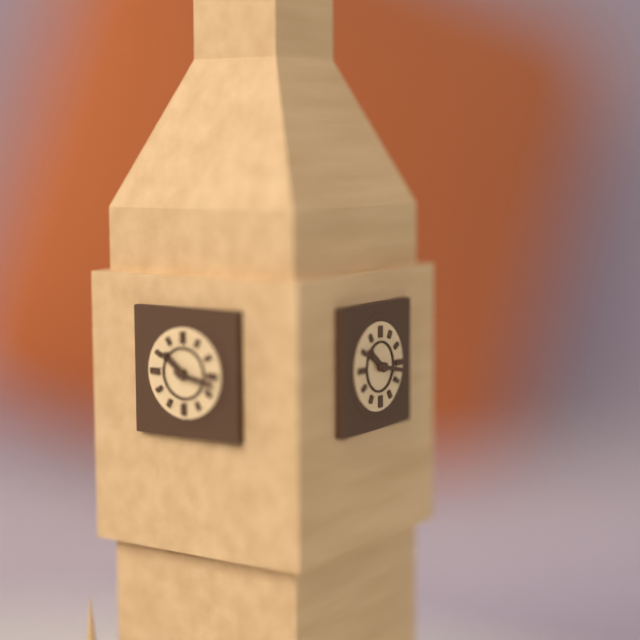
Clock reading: 10.17
